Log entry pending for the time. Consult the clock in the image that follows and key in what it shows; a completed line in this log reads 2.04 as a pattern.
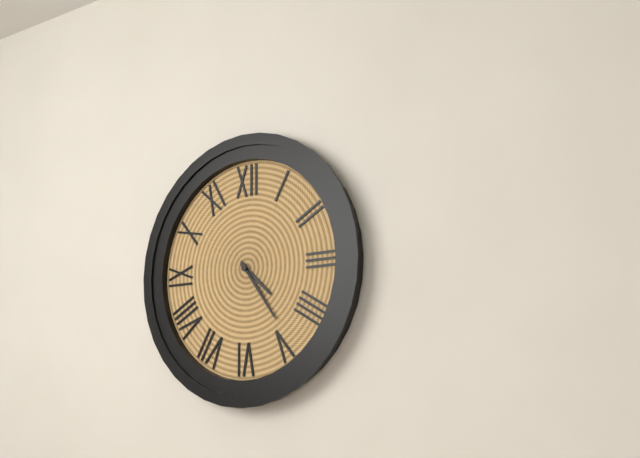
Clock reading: 4.24
